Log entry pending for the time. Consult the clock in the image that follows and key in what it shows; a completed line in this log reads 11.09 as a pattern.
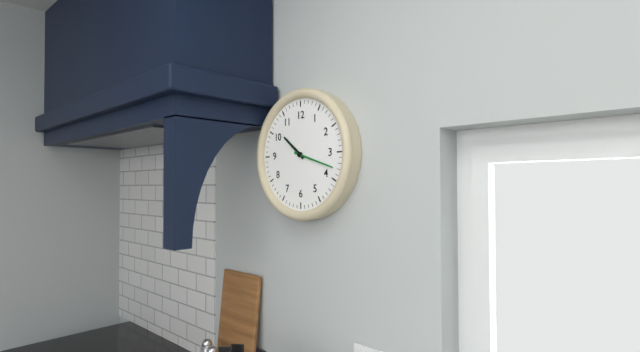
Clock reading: 10.18
